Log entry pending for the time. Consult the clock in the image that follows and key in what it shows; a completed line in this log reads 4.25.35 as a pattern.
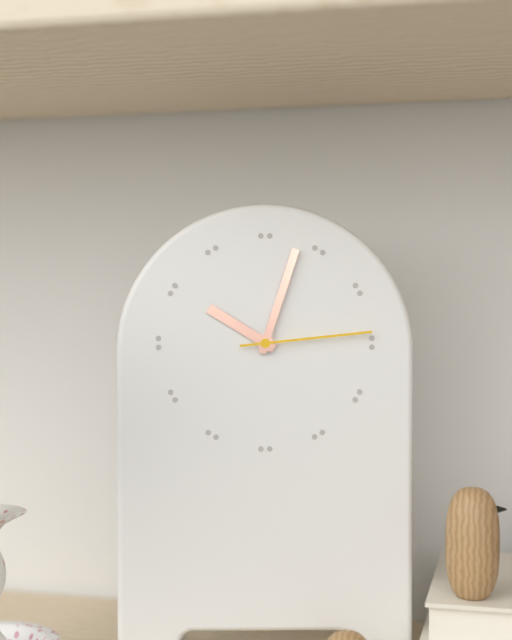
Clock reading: 10.03.14
